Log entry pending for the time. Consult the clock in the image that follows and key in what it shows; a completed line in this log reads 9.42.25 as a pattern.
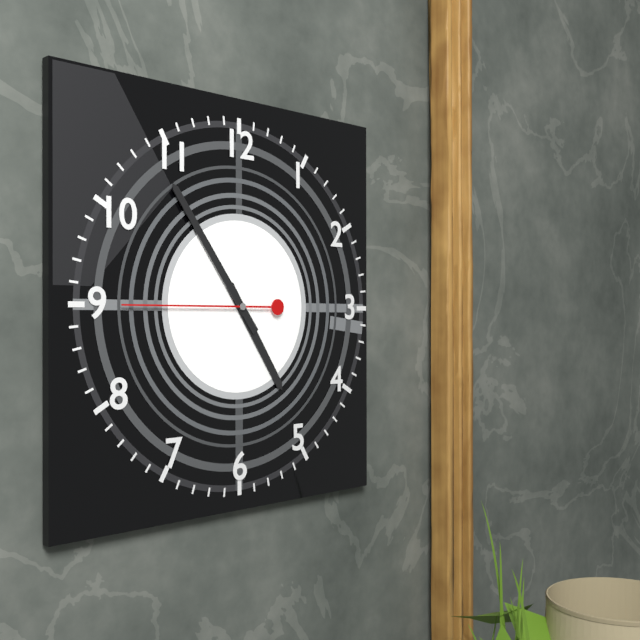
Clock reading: 4.54.45
